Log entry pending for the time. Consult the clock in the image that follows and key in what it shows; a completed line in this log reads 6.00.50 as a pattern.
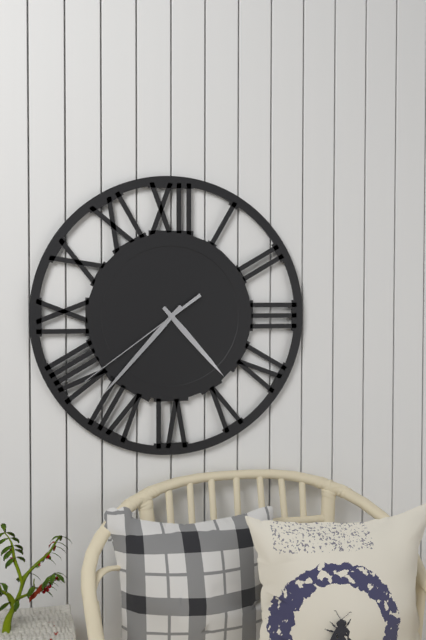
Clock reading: 4.37.39
